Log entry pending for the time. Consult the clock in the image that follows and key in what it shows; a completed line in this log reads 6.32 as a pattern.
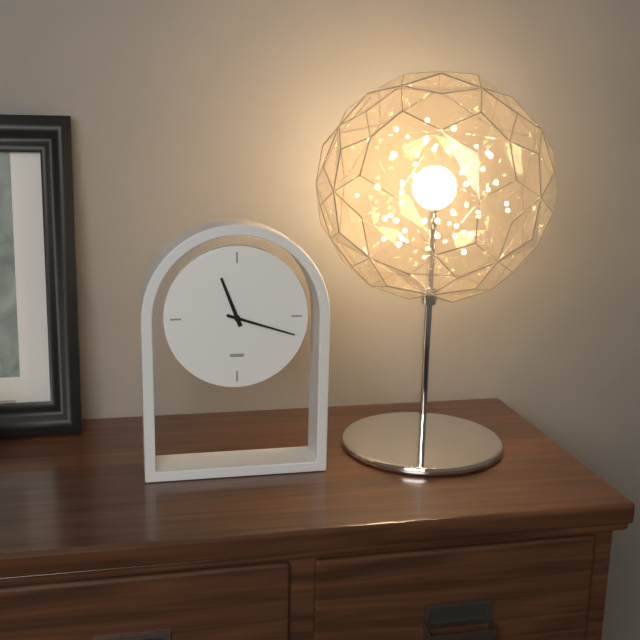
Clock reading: 11.18
